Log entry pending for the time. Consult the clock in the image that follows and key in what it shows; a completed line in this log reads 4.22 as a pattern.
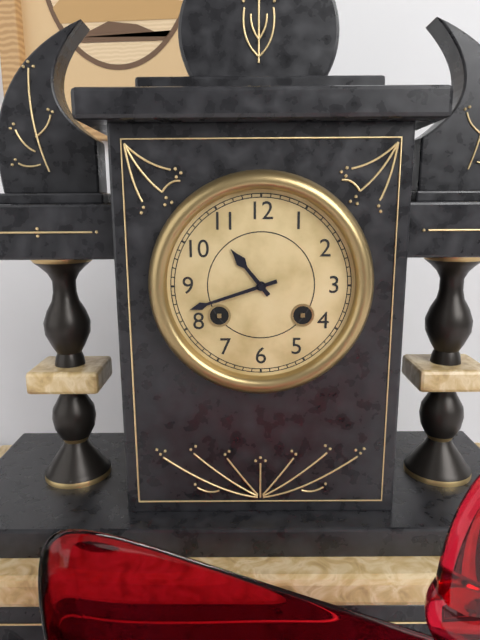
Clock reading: 10.42
